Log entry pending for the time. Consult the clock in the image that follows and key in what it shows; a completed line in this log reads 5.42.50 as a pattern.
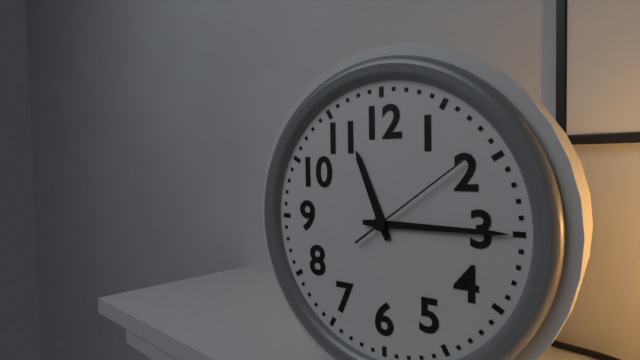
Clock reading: 11.15.09
